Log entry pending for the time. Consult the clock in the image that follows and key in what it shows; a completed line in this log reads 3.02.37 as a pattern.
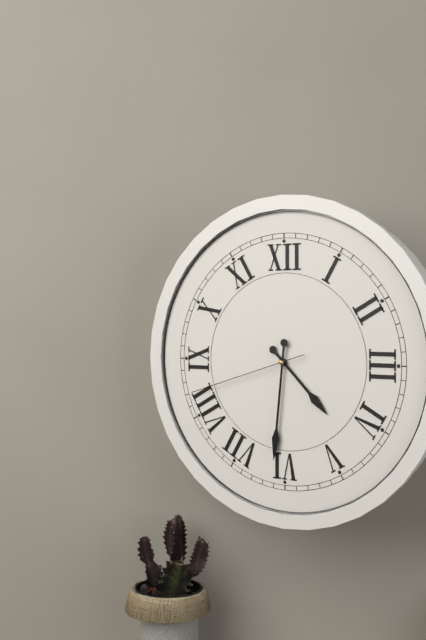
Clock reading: 4.31.42
